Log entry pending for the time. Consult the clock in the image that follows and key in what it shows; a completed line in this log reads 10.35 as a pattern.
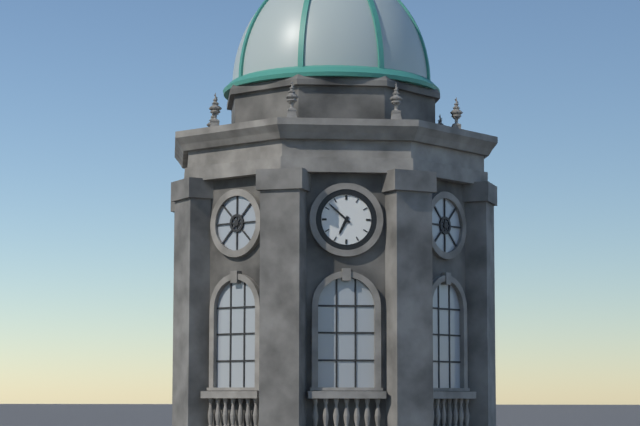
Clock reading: 6.52
